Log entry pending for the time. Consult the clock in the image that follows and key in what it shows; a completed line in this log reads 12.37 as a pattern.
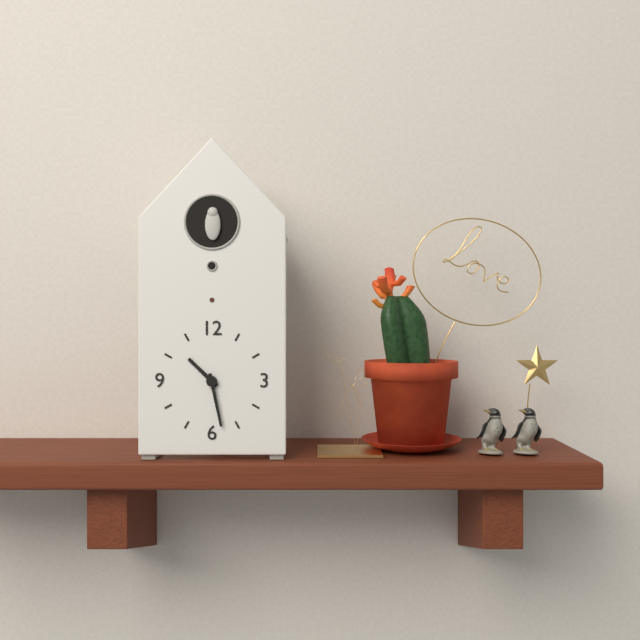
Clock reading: 10.28
